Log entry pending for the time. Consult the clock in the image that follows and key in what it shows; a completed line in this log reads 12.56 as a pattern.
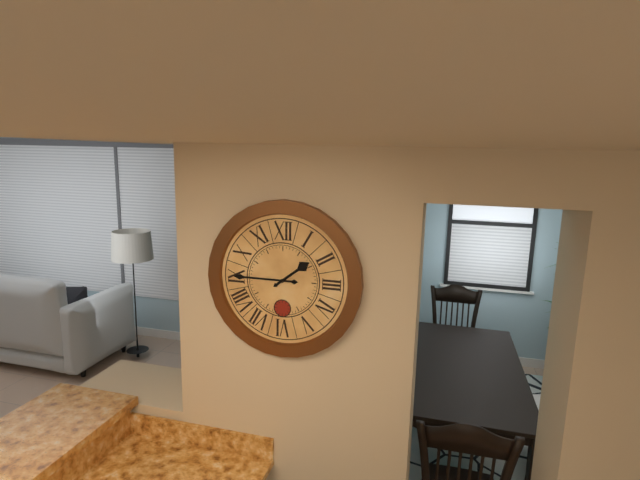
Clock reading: 1.45
